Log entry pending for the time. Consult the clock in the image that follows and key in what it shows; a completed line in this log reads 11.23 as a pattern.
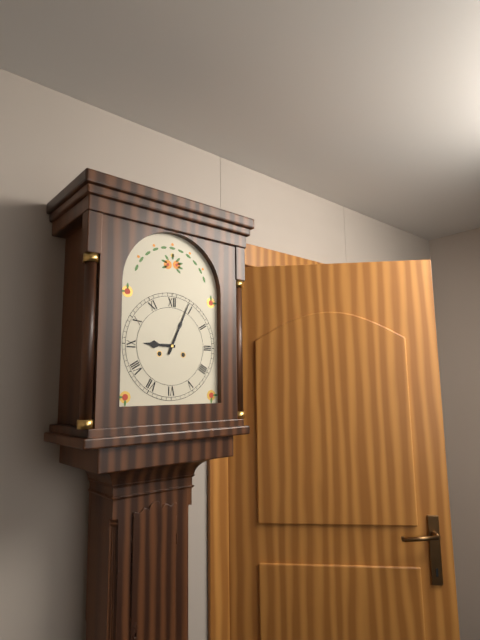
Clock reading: 9.04
